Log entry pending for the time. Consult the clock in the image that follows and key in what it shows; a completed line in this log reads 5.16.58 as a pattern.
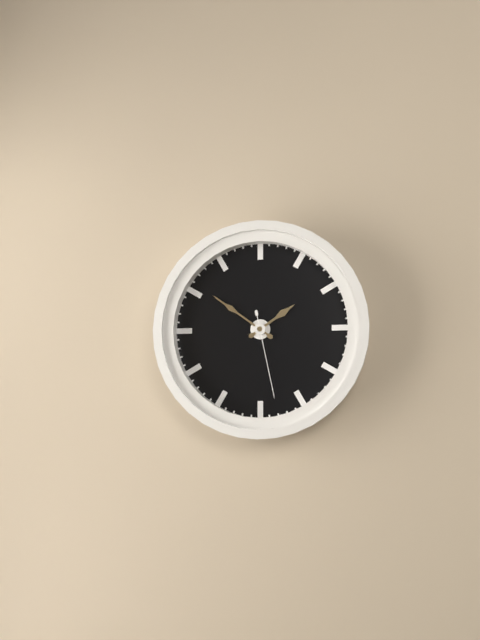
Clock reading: 1.51.28
